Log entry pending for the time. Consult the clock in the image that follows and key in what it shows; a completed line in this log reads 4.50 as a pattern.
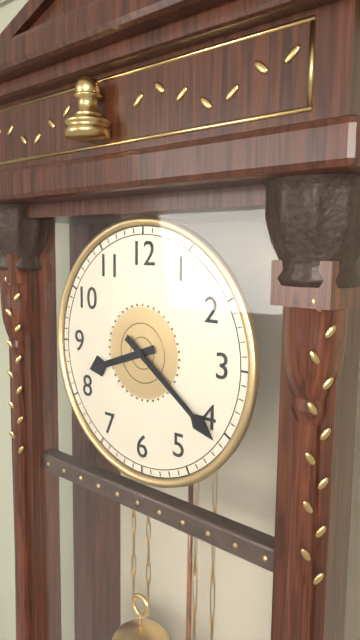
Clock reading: 8.21
